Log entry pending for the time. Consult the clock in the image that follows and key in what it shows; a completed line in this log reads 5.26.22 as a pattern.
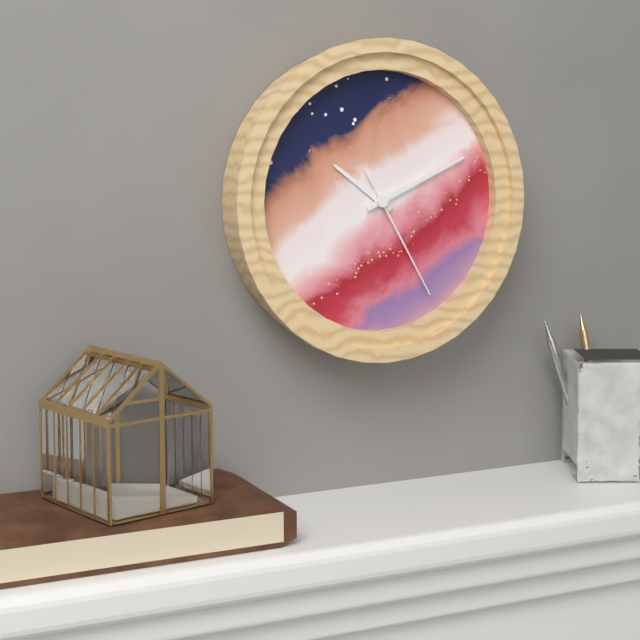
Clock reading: 10.11.25
